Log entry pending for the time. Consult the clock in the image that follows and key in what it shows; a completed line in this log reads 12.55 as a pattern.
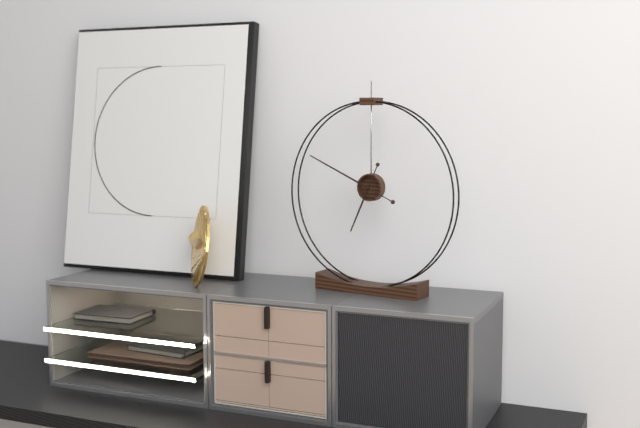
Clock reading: 6.49
